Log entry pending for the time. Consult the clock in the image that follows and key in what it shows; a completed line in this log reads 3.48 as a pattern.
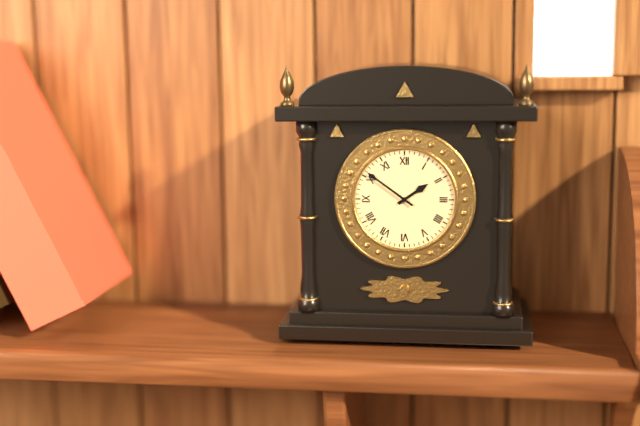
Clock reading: 1.51
